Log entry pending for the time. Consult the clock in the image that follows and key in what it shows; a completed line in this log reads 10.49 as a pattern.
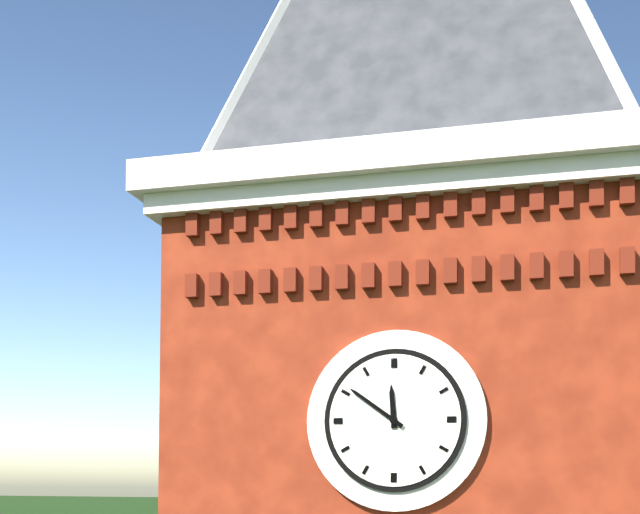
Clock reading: 11.51
